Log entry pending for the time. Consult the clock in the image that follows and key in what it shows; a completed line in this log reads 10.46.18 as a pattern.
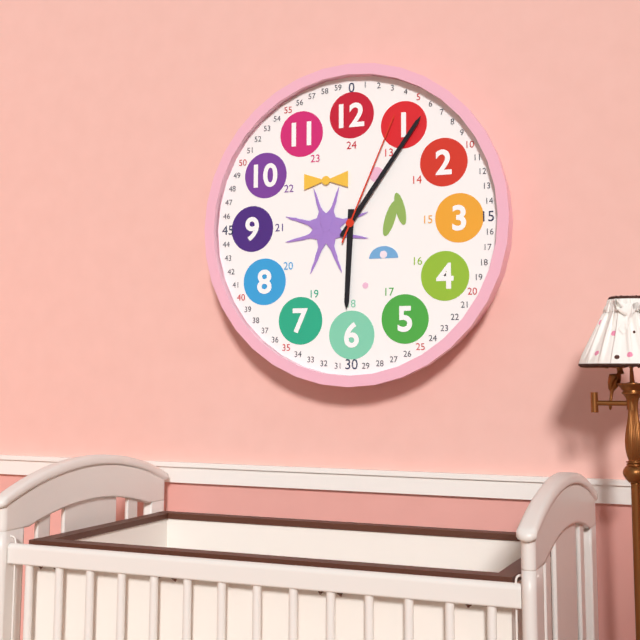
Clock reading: 6.06.04
